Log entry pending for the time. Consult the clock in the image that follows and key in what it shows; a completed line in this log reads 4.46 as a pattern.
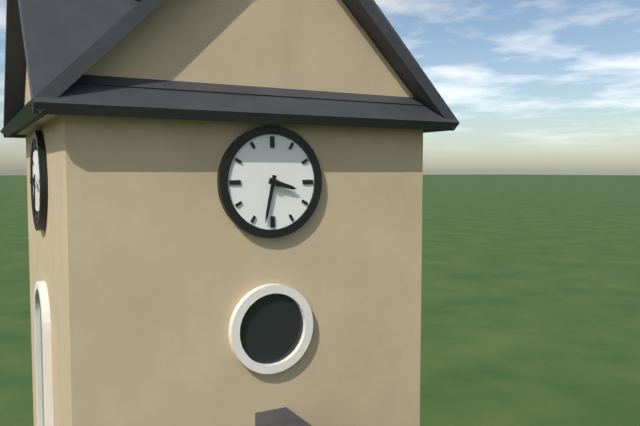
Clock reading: 3.32
